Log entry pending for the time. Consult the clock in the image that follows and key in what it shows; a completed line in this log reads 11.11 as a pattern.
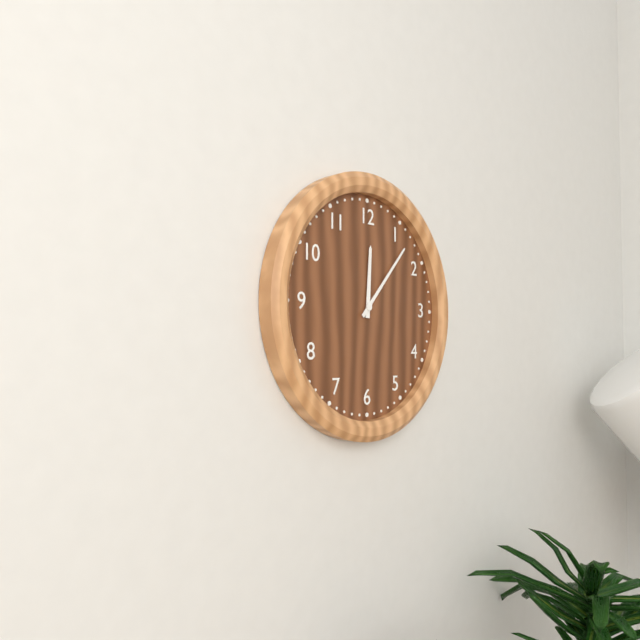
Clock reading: 12.07
